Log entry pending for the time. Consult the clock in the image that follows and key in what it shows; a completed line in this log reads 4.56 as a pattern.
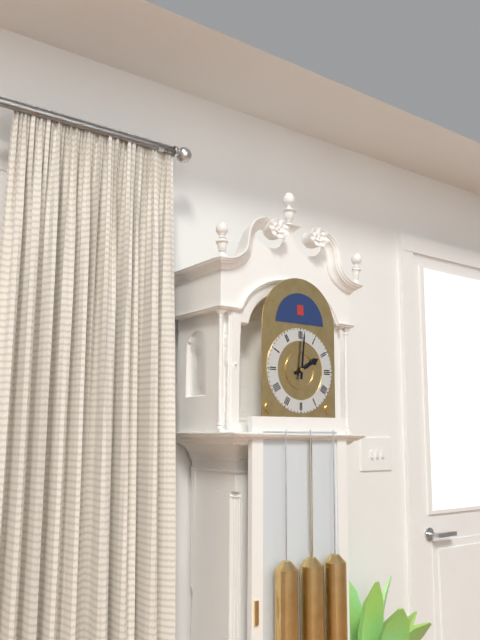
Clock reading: 2.01
